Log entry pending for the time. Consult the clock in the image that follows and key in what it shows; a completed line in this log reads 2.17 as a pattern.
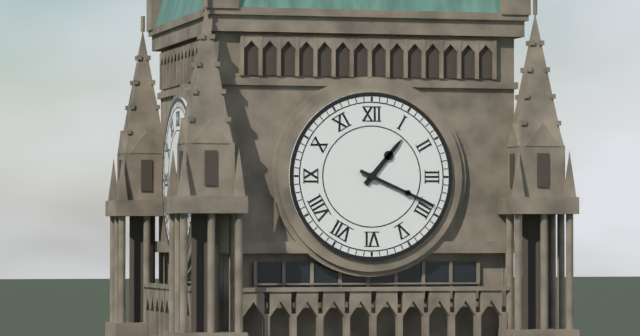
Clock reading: 1.19
